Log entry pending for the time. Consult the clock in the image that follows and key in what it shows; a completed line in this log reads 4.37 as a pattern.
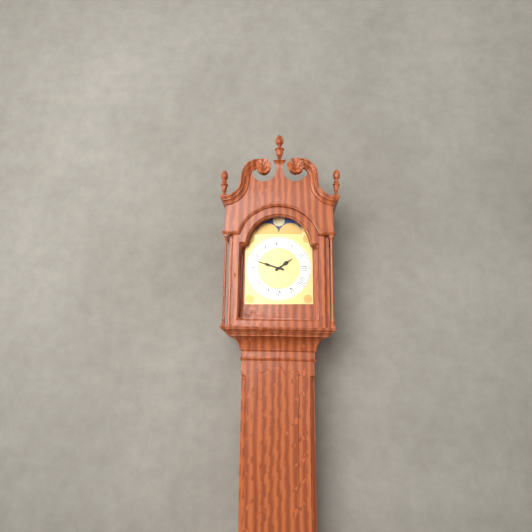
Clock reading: 1.48
